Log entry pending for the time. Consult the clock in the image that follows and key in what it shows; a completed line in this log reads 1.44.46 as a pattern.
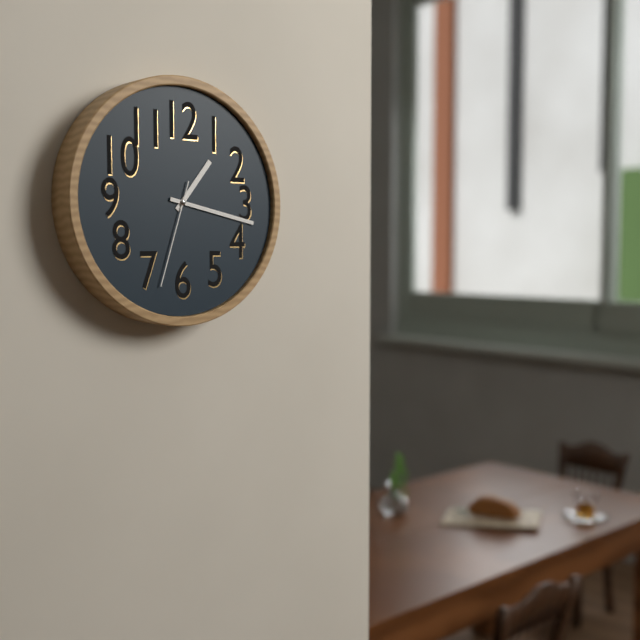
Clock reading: 1.17.33
